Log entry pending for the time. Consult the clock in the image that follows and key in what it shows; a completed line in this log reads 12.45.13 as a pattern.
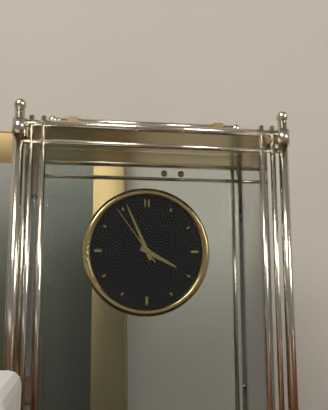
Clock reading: 3.56.54
